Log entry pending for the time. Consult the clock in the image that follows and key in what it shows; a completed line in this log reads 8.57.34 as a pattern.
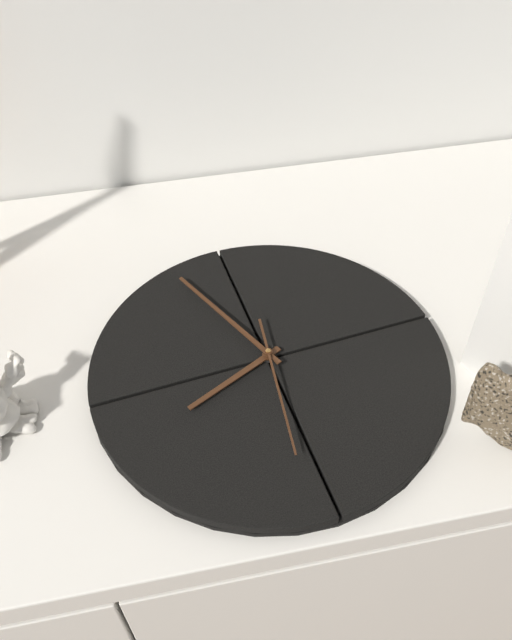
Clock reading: 9.00.35
